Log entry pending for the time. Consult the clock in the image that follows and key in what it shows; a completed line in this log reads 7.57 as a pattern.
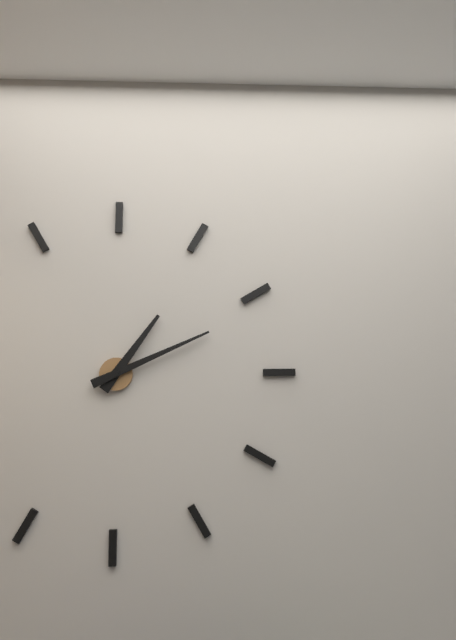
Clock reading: 1.11
